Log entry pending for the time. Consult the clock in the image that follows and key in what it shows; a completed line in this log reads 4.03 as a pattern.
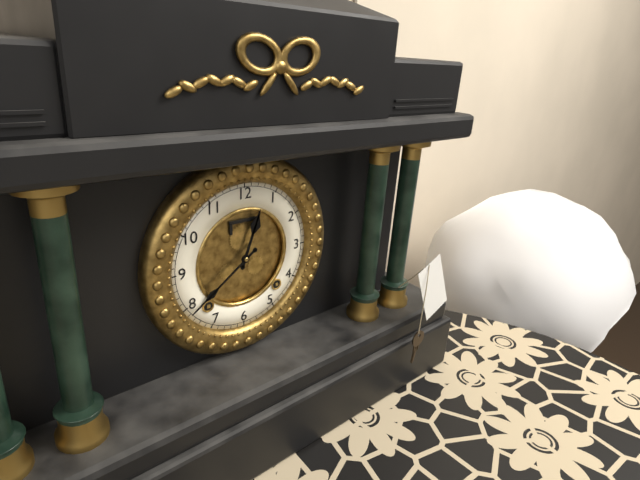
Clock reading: 12.39
